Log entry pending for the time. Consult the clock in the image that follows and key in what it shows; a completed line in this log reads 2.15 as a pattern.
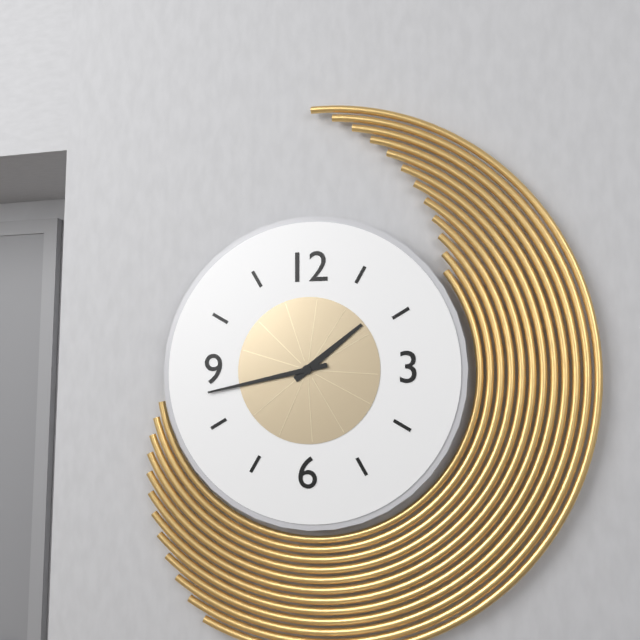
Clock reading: 1.43
